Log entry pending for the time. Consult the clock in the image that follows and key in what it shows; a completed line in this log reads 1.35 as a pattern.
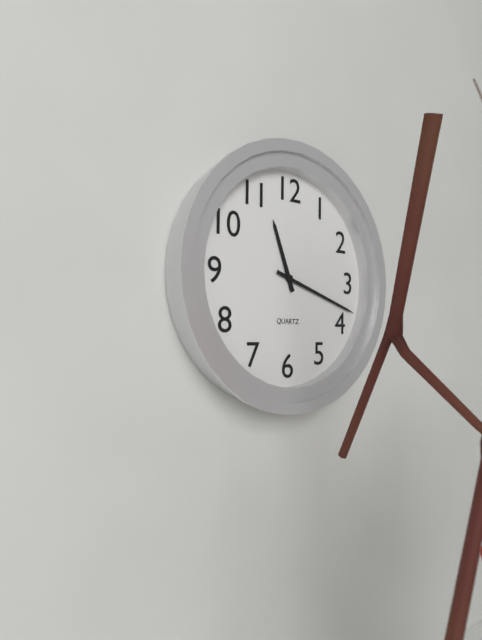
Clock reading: 11.18
